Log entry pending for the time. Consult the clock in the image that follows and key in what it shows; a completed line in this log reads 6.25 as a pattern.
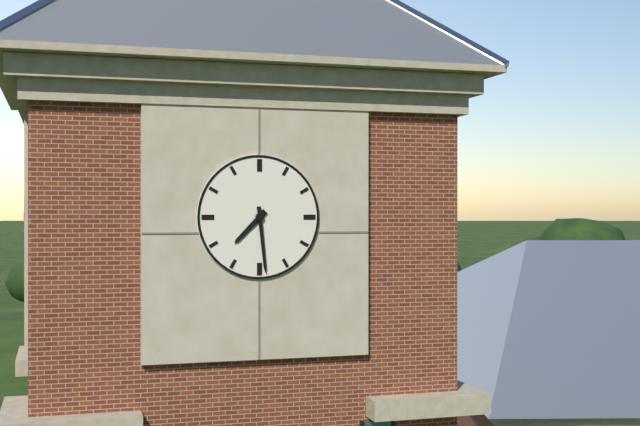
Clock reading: 7.29
